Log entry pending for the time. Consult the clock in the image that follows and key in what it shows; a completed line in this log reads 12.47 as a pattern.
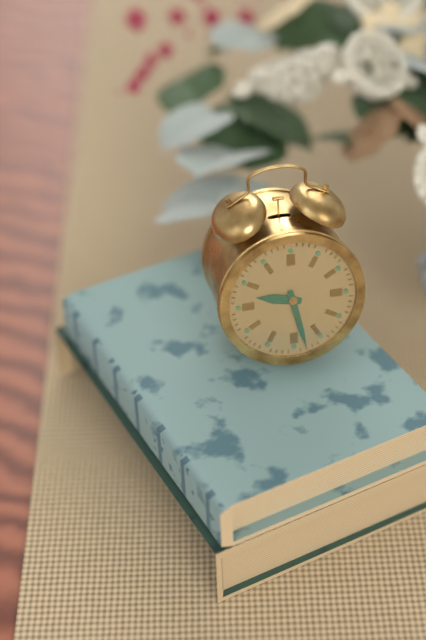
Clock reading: 9.28
